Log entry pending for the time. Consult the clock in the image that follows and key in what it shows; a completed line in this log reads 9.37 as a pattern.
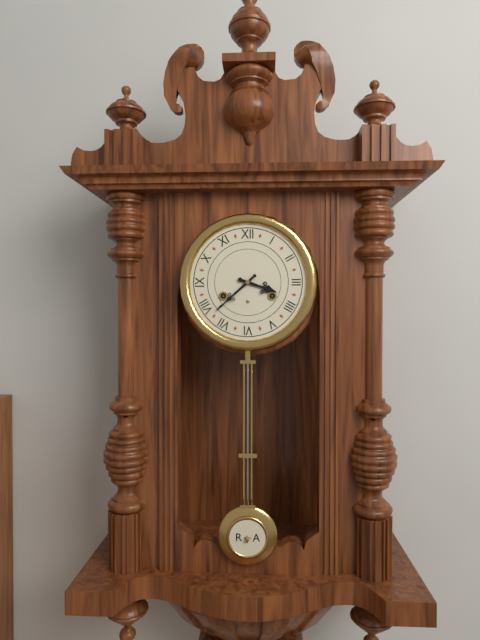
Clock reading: 3.38
